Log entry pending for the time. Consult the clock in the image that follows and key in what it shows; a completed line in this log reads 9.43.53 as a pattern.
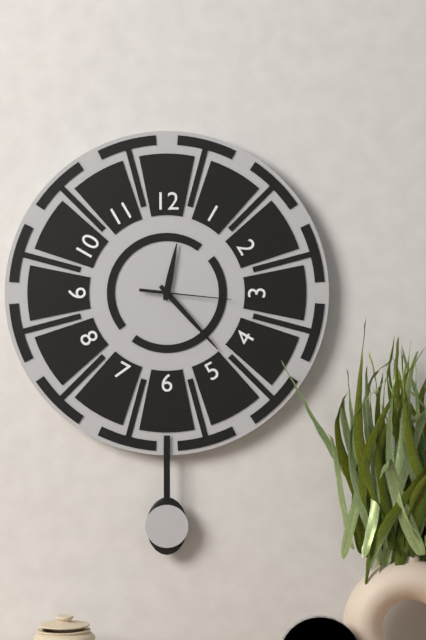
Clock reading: 12.23.16
